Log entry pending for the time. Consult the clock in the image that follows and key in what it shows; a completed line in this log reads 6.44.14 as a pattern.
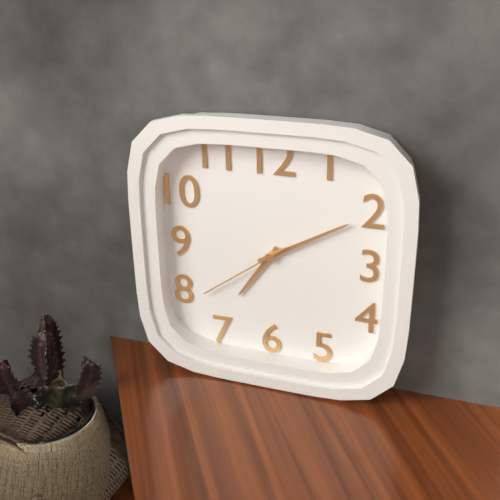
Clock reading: 7.10.39
